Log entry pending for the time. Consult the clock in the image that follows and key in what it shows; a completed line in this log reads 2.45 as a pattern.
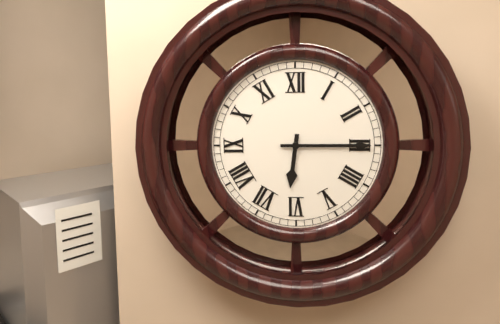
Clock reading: 6.15
